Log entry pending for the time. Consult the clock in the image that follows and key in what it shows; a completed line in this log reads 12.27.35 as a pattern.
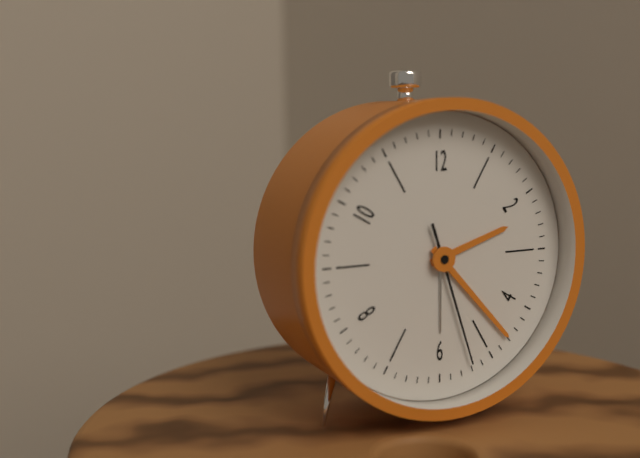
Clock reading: 2.23.27
